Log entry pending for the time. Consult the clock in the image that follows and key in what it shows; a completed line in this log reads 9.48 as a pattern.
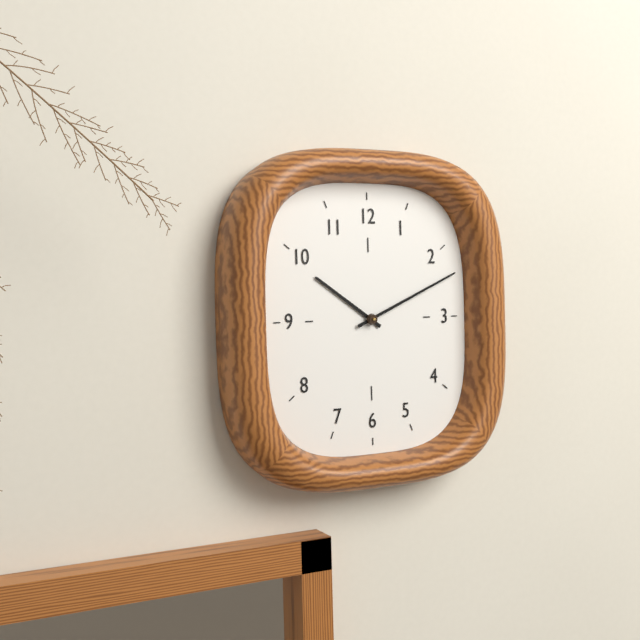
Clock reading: 10.11
